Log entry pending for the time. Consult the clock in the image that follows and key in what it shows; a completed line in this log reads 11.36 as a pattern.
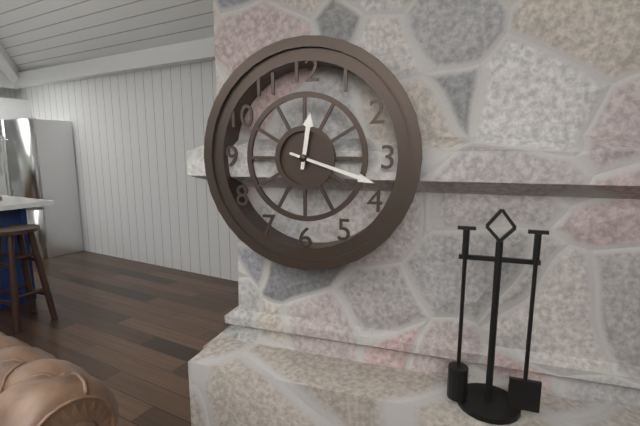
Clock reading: 12.18
